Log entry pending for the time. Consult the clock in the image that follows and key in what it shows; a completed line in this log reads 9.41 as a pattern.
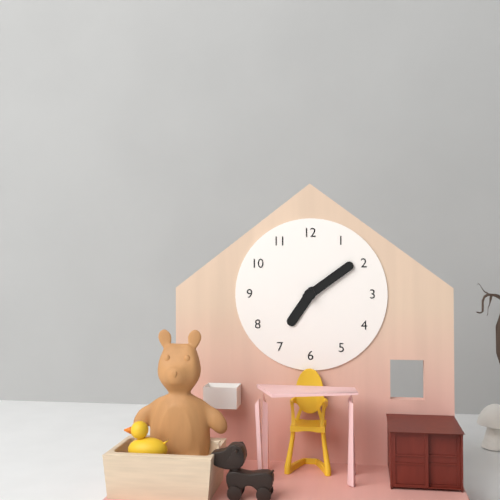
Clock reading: 7.09
